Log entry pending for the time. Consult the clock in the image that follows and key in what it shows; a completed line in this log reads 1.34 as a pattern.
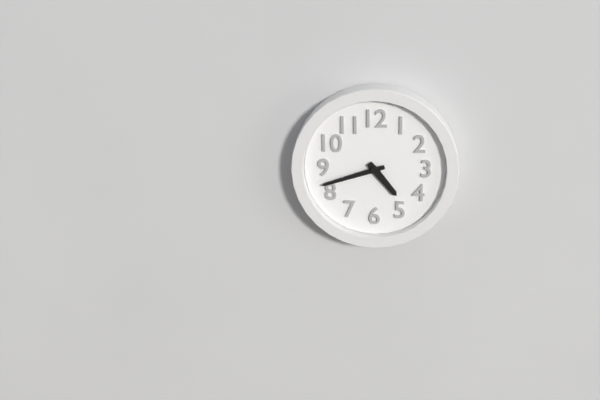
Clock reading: 4.42
